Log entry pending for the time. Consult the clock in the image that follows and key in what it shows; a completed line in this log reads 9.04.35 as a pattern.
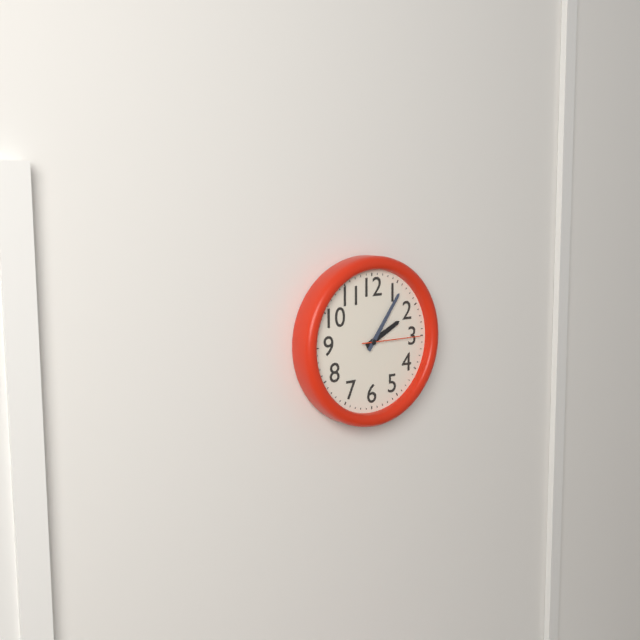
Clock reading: 2.06.15
